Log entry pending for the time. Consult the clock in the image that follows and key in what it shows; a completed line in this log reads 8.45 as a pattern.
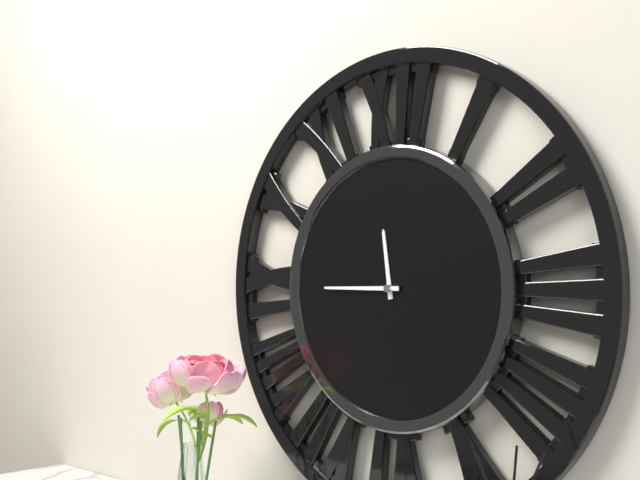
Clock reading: 11.45
